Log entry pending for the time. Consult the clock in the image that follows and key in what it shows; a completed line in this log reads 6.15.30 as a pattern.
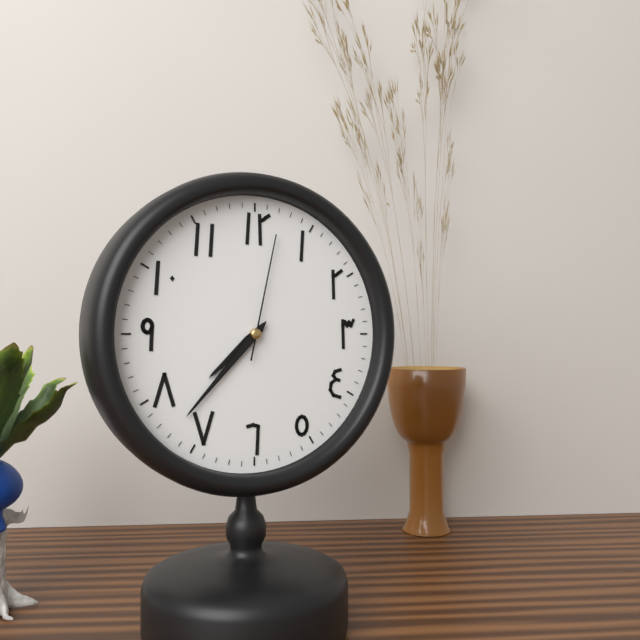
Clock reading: 7.37.02
